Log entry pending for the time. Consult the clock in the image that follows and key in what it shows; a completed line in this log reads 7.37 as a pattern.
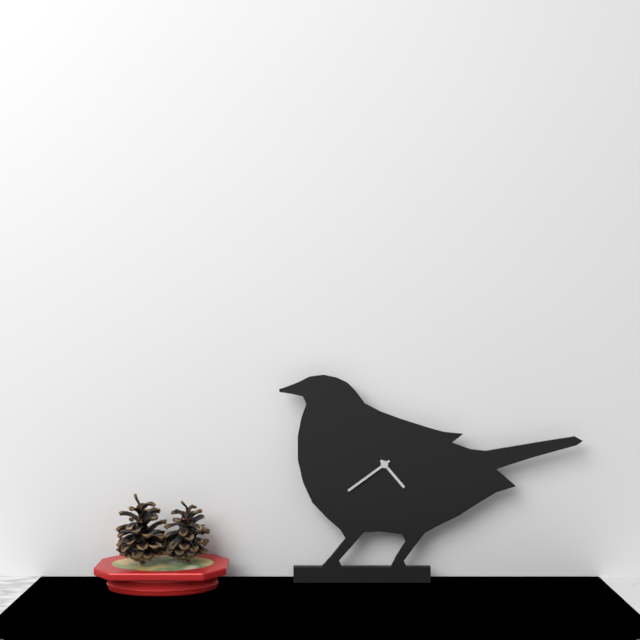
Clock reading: 4.39
